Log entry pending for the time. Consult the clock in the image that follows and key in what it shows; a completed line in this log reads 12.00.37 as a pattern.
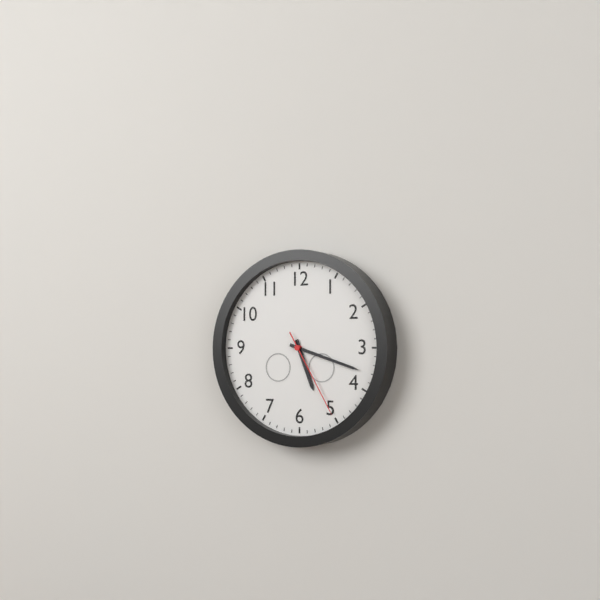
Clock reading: 5.18.25
